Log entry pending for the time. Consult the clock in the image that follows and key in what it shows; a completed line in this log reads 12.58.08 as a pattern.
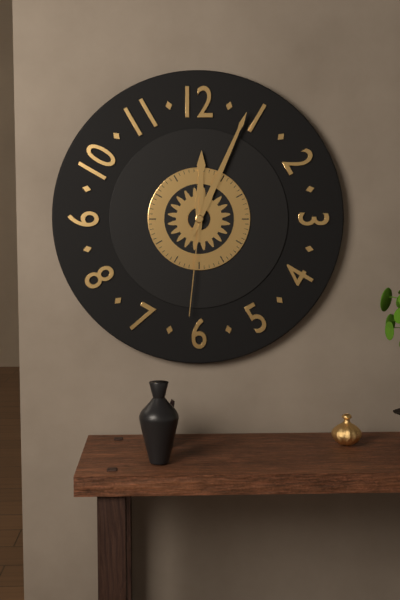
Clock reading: 12.04.31
